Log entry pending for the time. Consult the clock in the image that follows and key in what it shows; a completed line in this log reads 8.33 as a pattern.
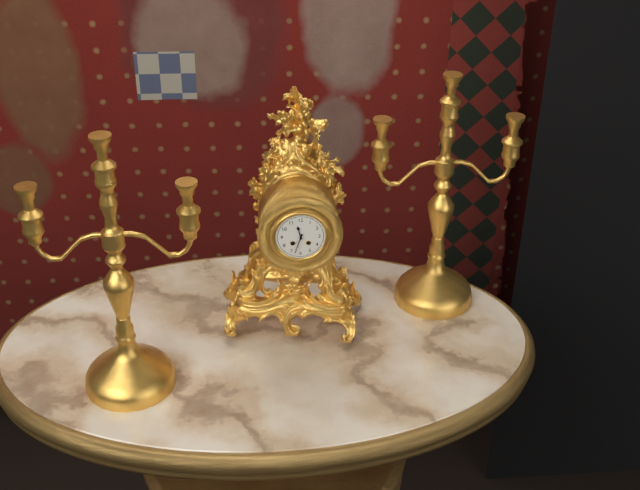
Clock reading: 11.33
